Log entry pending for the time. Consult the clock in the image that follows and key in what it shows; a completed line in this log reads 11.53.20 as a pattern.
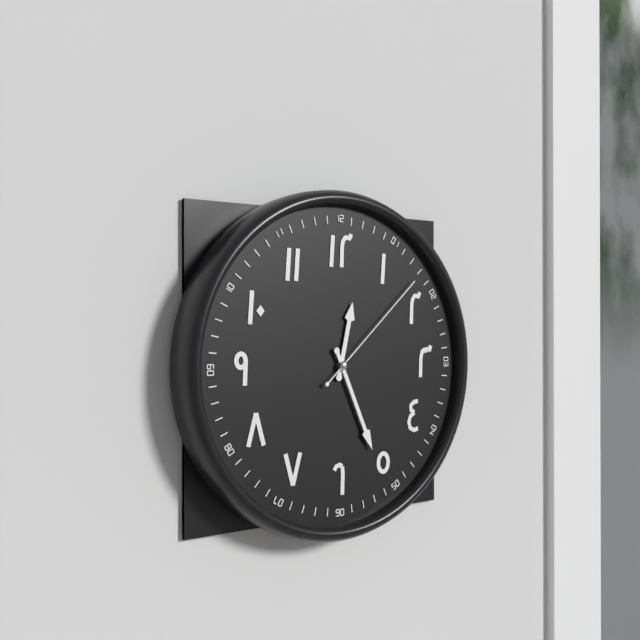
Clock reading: 12.26.08
